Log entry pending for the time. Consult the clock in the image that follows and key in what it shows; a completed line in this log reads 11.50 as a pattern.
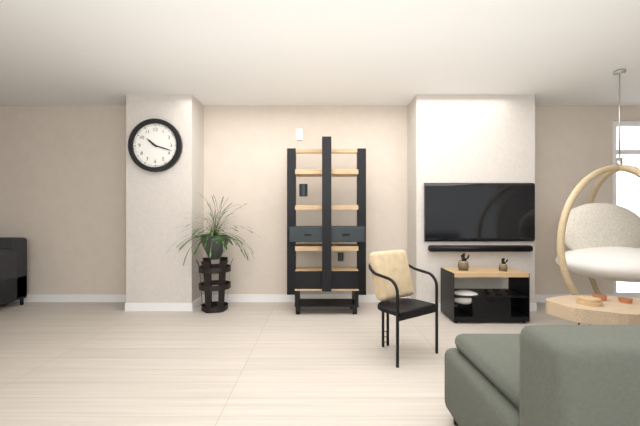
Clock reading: 10.18
